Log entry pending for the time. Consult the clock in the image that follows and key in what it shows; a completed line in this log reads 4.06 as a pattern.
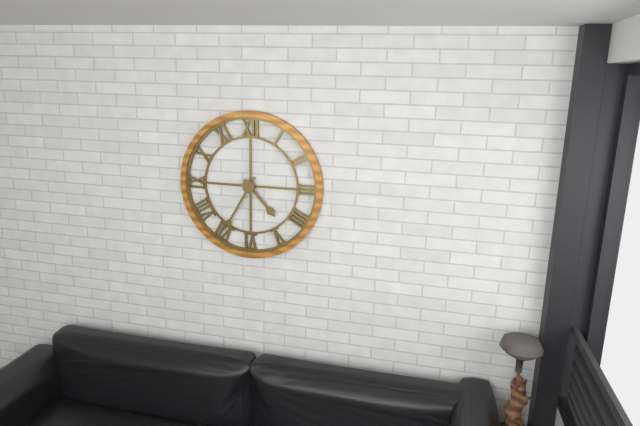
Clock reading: 4.35
